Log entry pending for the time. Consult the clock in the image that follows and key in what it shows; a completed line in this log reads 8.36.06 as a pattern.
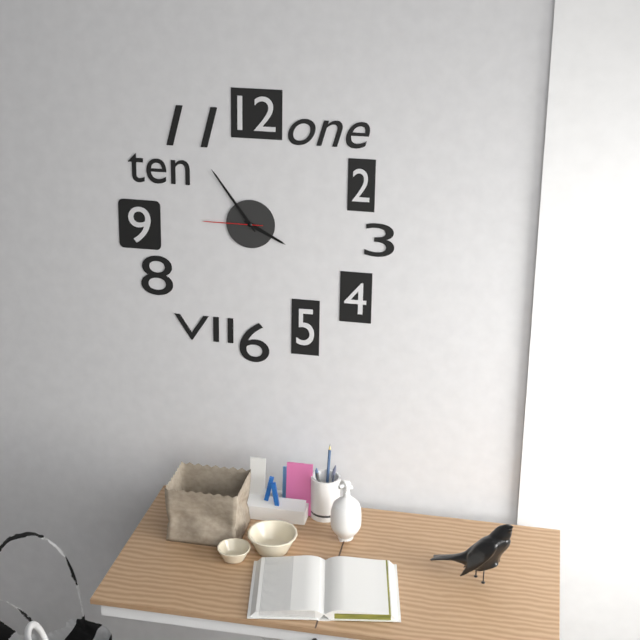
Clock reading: 3.54.45
